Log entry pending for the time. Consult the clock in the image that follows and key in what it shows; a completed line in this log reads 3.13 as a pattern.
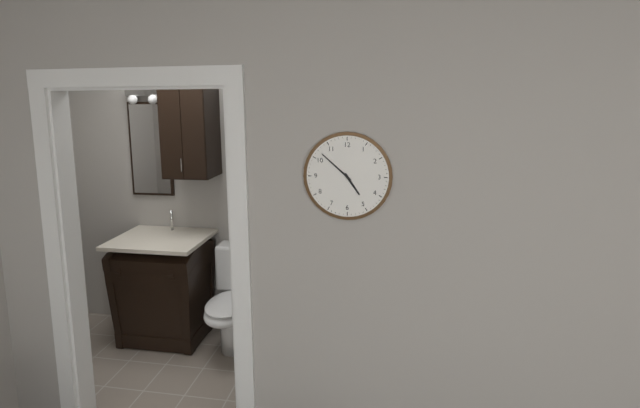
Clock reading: 4.52
